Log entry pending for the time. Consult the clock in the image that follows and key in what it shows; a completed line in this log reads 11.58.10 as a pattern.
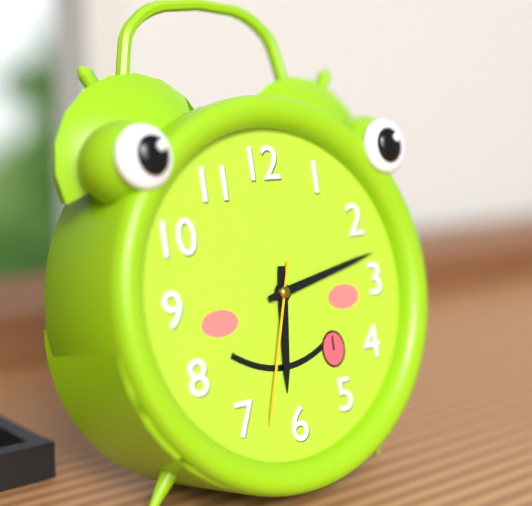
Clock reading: 6.13.33
